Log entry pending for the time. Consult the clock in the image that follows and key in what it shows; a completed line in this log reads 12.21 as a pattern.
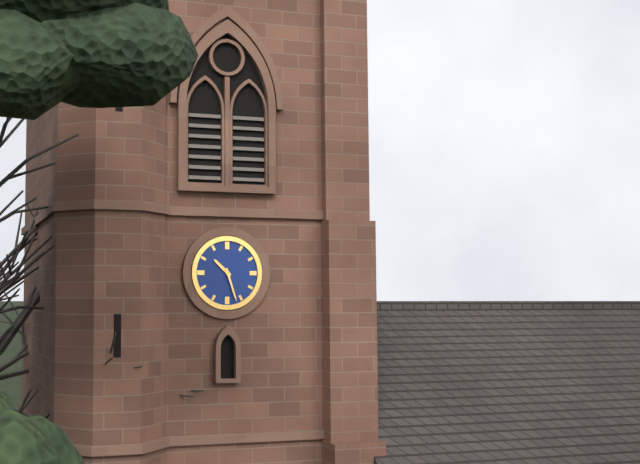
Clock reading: 10.27
